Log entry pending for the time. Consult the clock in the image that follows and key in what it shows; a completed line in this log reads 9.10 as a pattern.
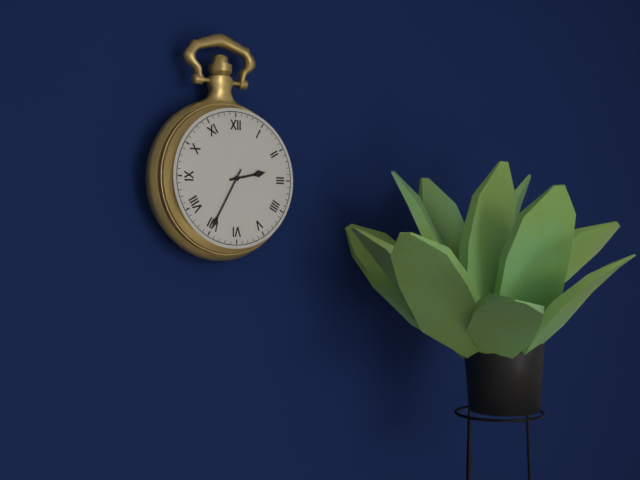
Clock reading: 2.35
